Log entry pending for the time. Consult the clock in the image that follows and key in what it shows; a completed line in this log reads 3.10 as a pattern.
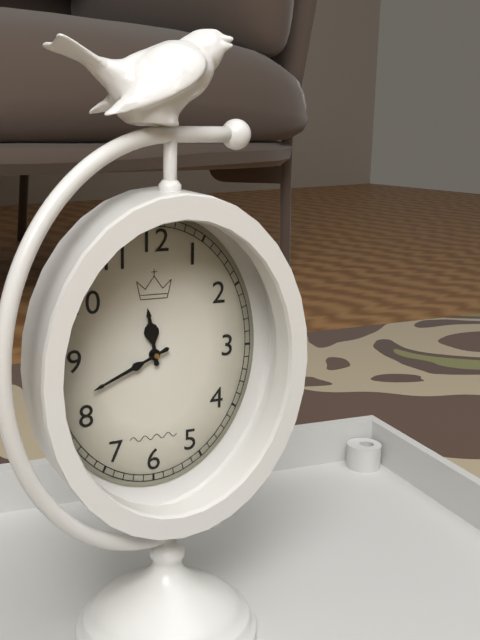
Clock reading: 11.41
